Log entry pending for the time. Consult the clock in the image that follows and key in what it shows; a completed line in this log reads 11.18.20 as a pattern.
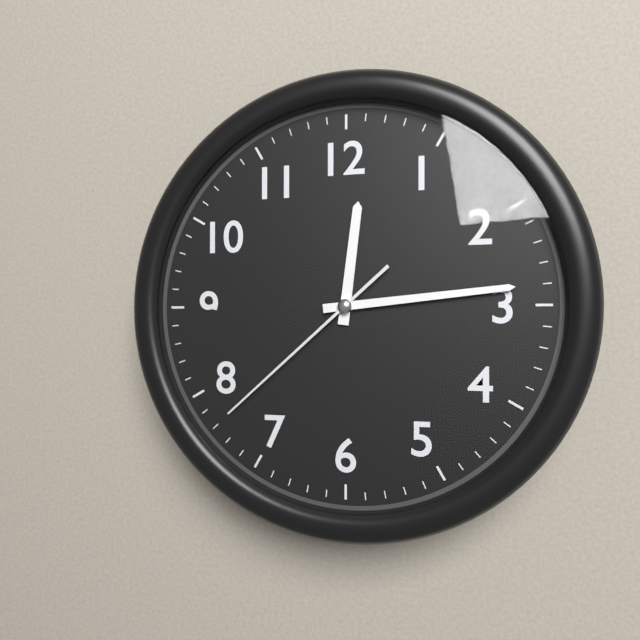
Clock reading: 12.14.38
